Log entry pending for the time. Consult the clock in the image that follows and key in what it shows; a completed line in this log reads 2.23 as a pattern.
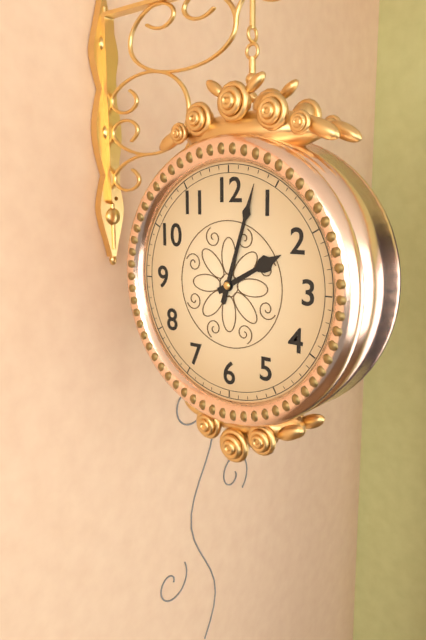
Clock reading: 2.03
